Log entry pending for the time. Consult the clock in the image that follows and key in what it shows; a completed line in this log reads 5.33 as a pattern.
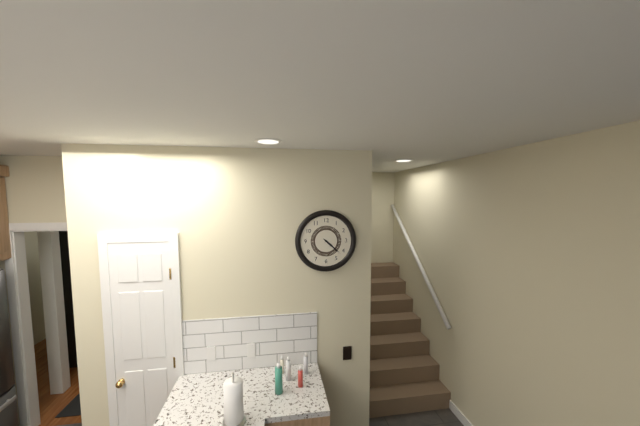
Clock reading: 4.22
